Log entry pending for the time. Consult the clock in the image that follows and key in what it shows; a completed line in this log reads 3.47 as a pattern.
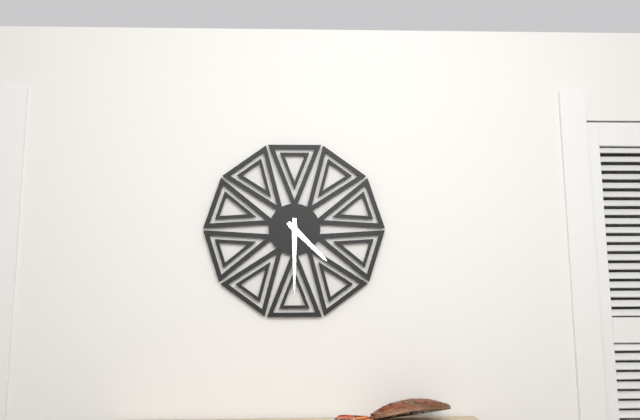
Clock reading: 4.30
